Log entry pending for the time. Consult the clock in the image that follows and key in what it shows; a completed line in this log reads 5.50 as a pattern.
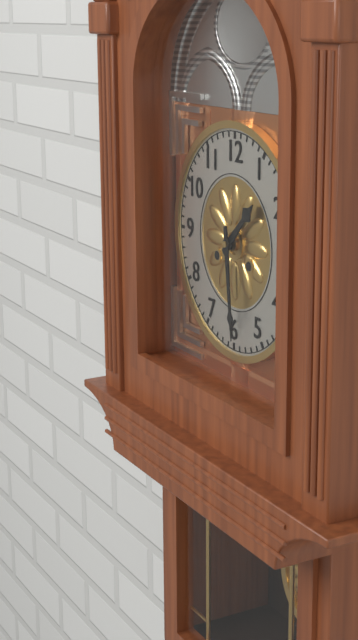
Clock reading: 1.29
